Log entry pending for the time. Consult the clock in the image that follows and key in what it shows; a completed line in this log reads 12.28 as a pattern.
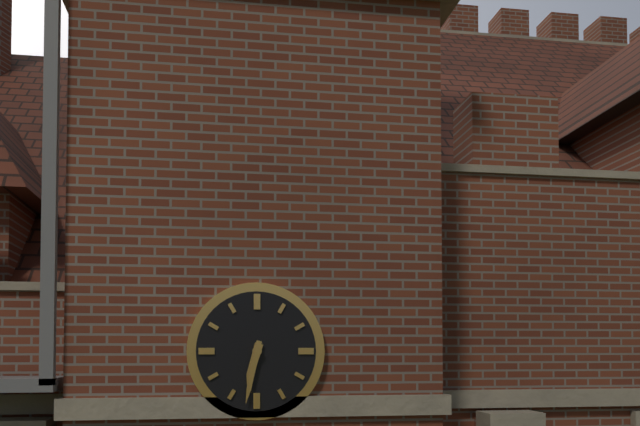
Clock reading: 6.32
